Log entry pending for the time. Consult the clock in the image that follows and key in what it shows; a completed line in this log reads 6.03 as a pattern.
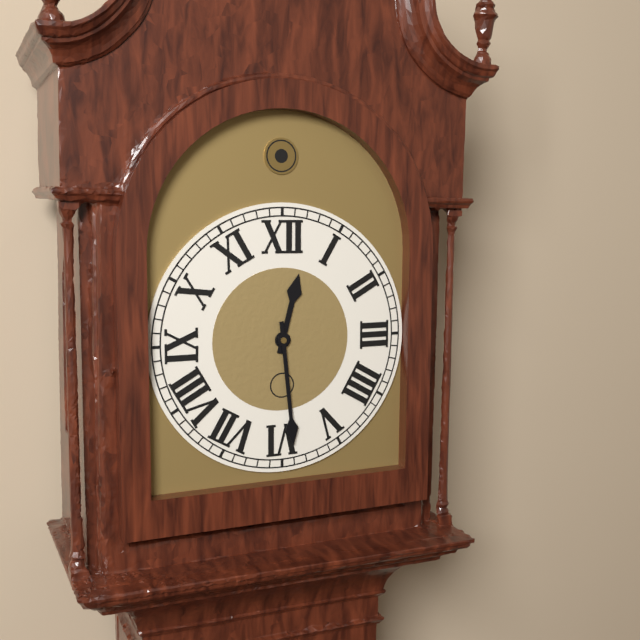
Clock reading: 12.29
